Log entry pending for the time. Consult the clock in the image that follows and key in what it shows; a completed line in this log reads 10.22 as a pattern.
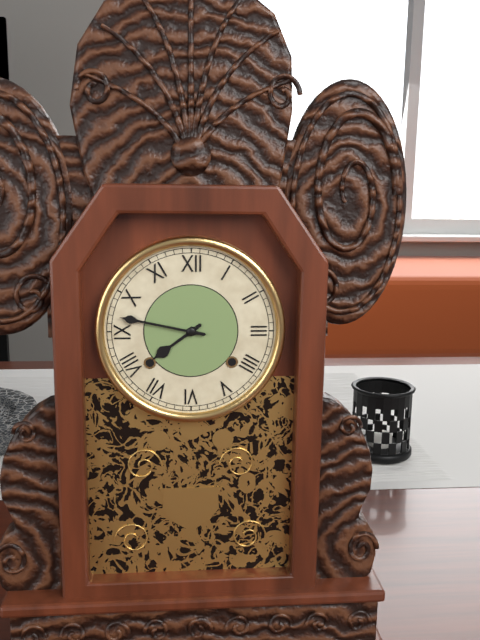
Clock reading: 7.47
